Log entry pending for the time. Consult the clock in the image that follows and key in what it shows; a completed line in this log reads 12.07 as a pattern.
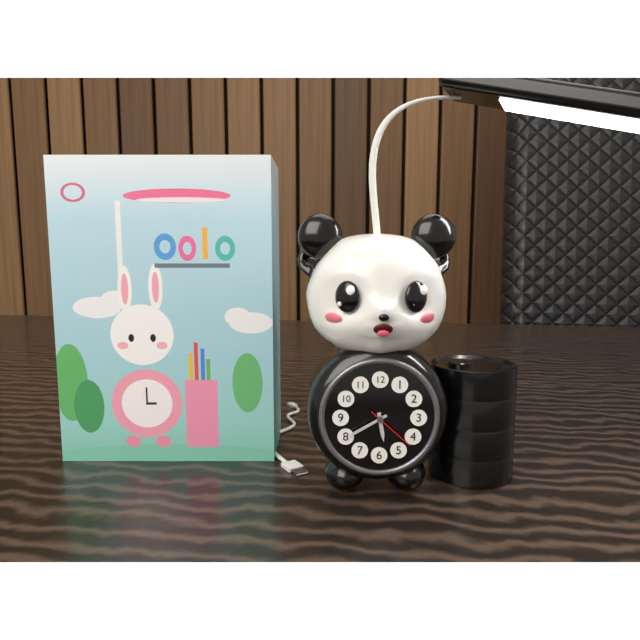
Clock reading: 5.40
